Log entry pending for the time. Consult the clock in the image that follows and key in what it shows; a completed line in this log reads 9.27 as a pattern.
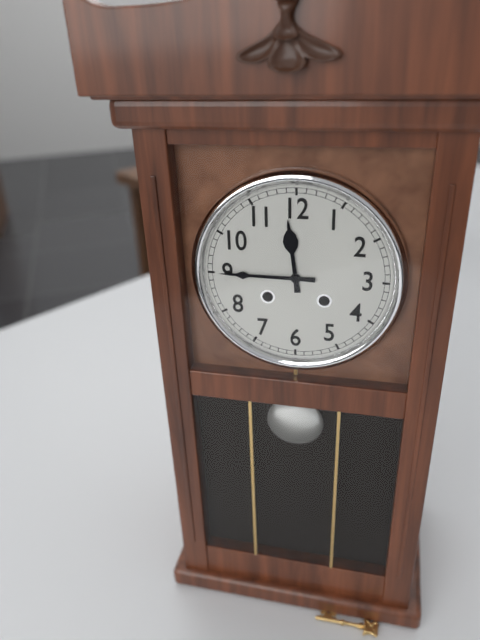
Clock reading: 11.45
